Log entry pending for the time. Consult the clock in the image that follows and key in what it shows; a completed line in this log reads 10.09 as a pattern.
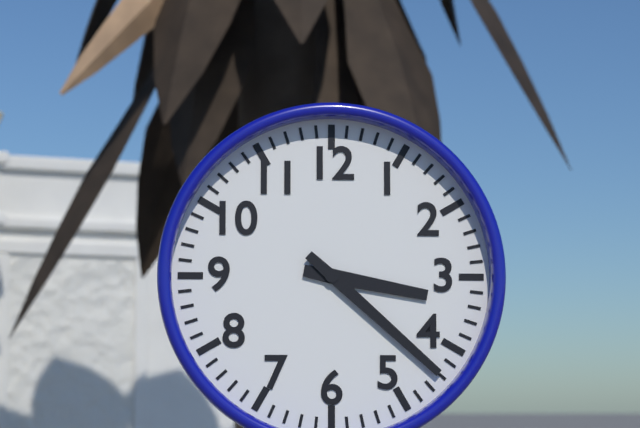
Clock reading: 3.22
